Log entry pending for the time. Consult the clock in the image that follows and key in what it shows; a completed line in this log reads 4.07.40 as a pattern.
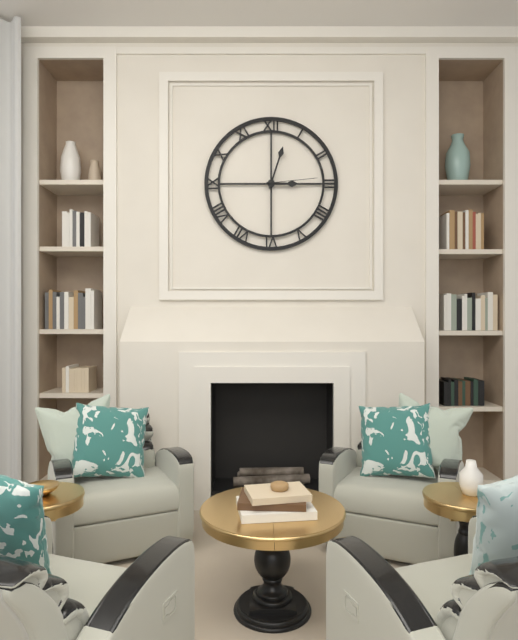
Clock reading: 3.03.14
